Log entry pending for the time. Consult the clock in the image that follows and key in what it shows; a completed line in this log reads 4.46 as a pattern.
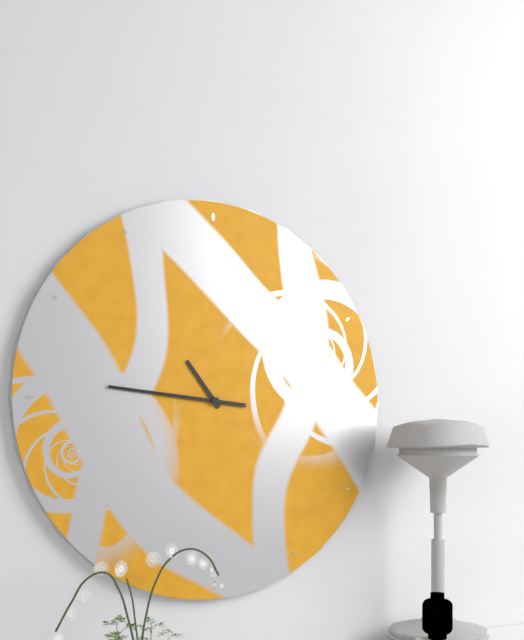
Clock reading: 10.46
